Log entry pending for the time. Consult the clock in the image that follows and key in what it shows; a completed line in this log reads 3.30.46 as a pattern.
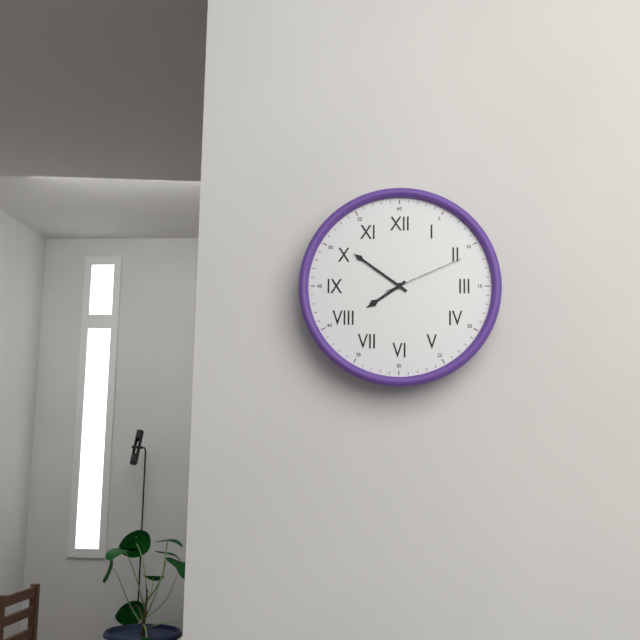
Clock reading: 7.51.11
